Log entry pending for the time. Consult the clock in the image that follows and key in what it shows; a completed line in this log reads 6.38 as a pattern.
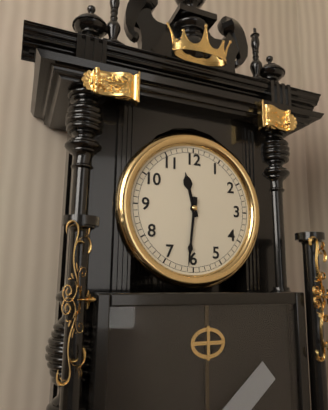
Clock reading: 11.31
